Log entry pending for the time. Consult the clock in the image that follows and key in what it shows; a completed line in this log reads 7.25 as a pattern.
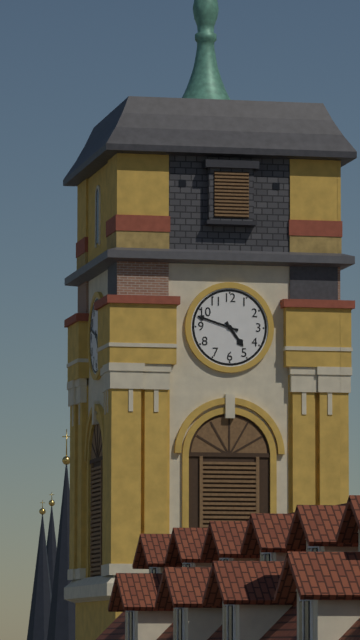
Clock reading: 4.48
